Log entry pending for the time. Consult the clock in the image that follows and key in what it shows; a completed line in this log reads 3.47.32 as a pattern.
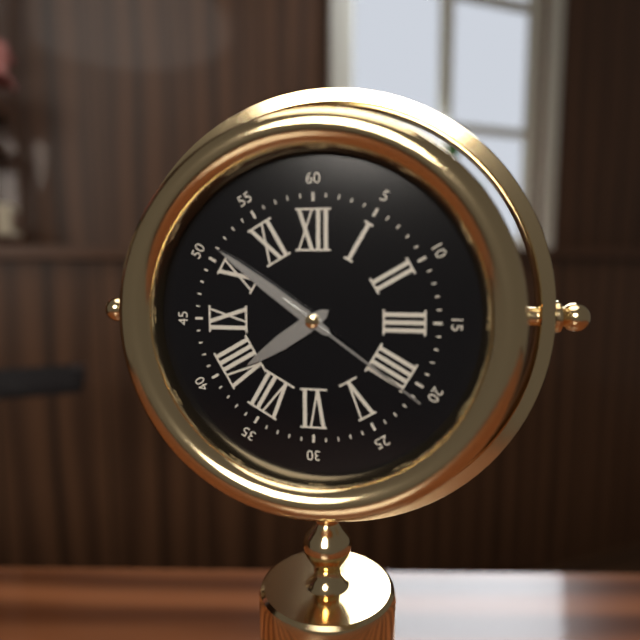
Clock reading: 7.51.21
